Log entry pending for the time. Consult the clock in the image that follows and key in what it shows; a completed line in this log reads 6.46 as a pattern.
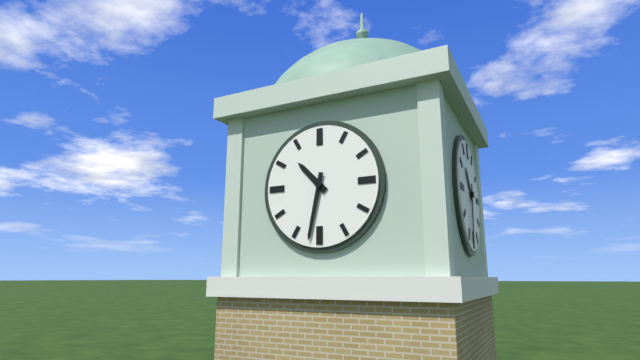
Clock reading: 10.32
